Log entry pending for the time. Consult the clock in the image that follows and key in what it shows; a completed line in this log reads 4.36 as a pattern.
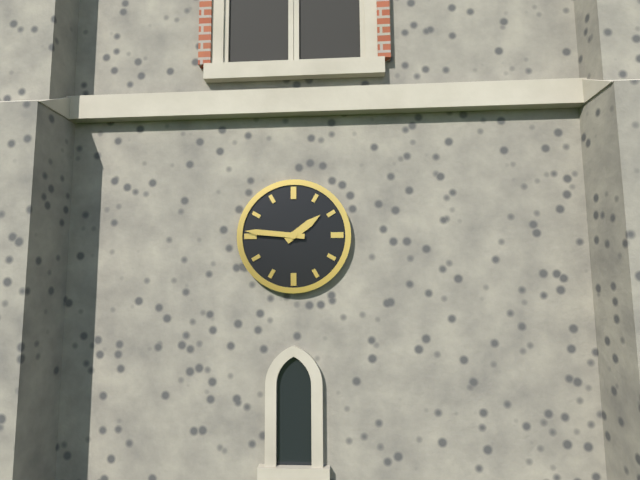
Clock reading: 1.46
